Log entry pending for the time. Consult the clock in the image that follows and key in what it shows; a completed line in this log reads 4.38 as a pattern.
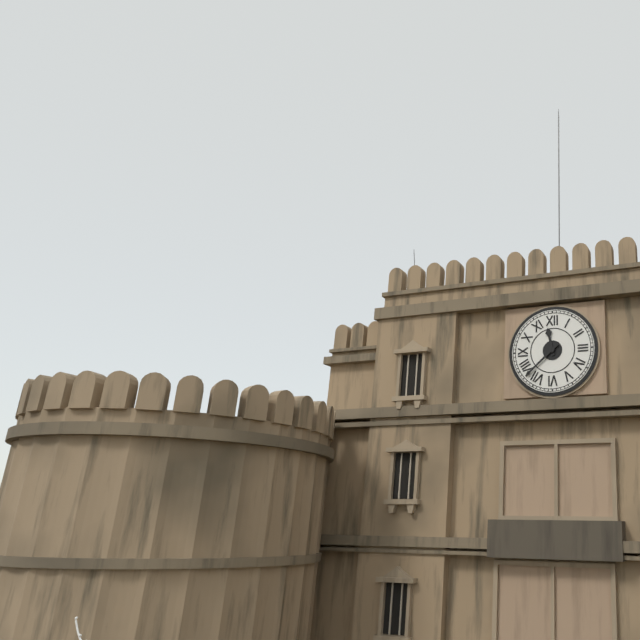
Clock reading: 11.38
